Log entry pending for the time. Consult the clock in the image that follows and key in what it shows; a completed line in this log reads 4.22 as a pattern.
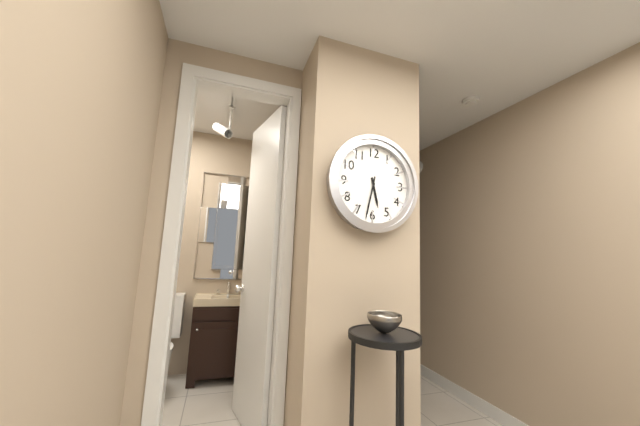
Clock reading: 5.32
